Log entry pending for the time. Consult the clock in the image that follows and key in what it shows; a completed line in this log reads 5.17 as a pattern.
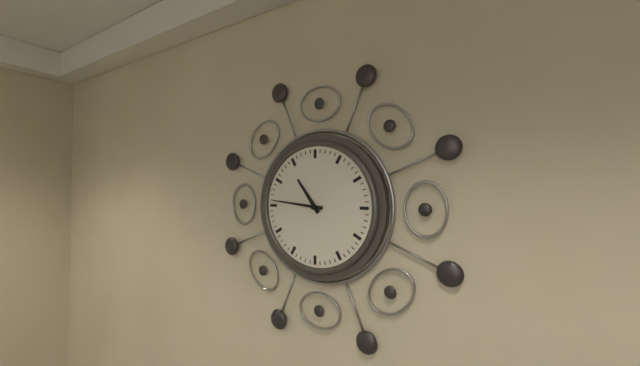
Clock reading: 10.46
